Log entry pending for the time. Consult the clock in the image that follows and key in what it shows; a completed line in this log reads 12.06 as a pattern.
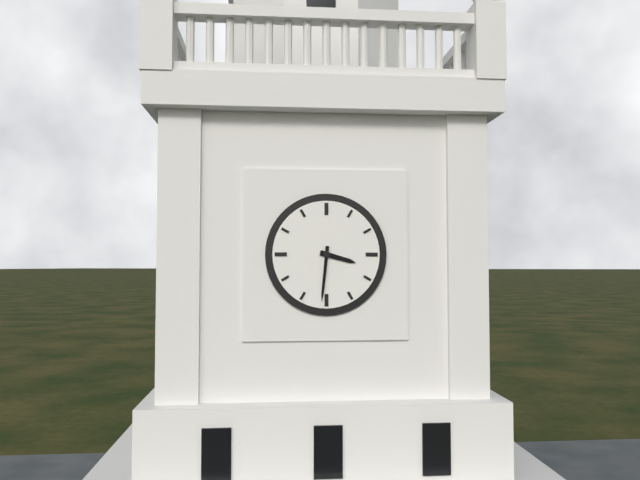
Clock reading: 3.31
